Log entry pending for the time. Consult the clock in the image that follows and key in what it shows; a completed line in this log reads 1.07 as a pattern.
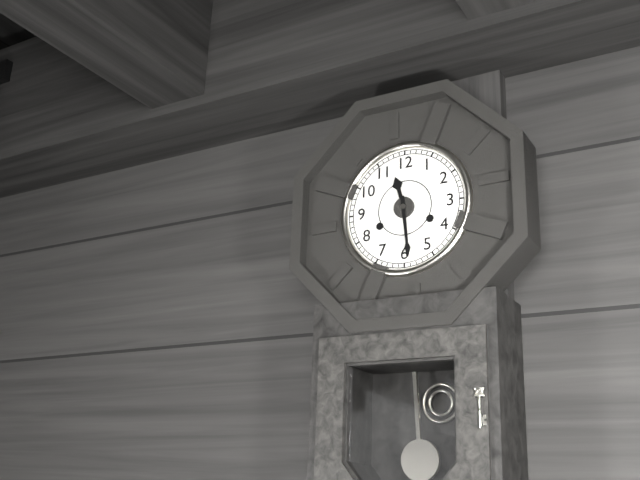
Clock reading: 11.29
